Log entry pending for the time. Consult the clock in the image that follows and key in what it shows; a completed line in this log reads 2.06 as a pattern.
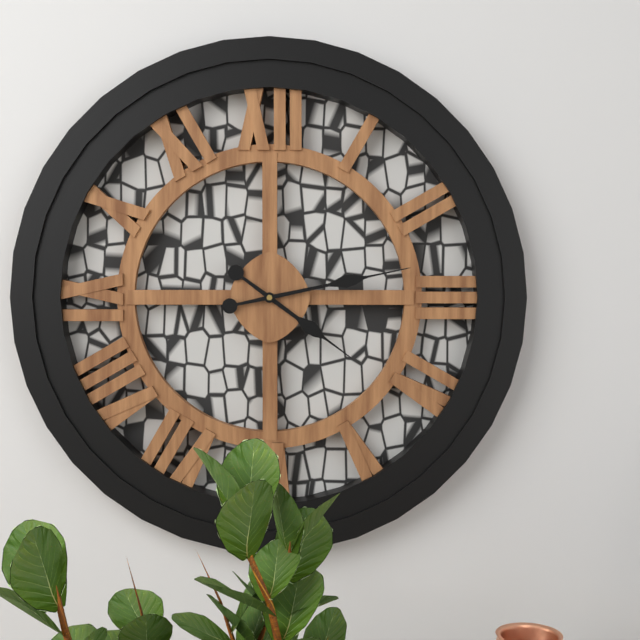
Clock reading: 4.13
